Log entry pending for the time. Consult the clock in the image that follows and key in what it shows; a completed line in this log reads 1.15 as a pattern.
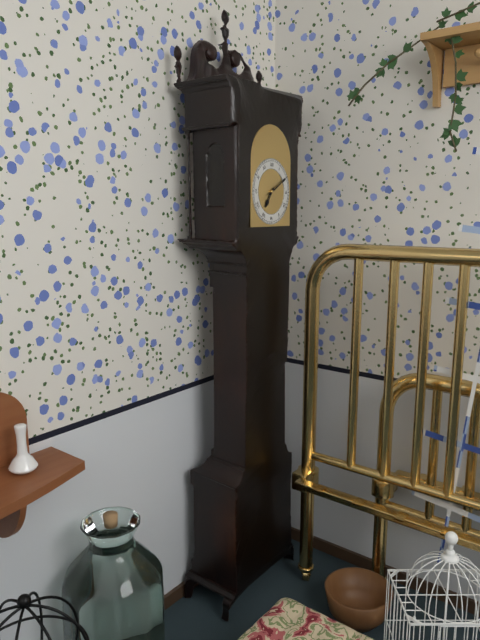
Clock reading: 7.10
